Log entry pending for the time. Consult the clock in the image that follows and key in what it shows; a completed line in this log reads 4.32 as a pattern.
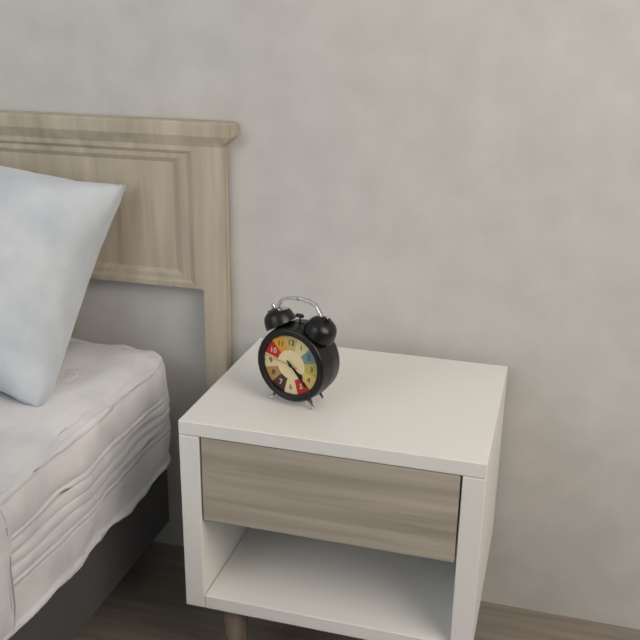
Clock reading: 4.23
